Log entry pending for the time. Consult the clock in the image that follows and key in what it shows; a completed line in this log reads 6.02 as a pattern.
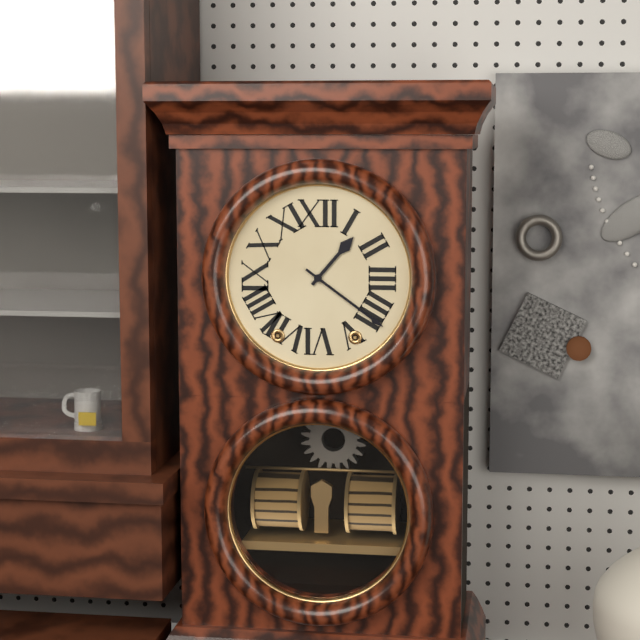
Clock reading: 1.21
